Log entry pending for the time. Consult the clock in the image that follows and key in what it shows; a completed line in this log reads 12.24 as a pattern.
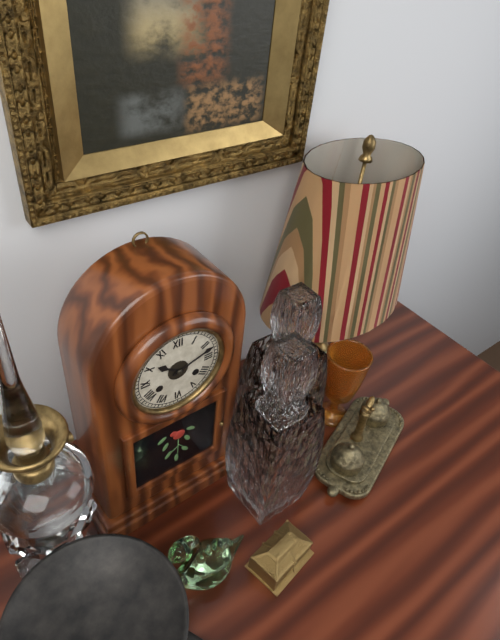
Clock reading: 10.12
